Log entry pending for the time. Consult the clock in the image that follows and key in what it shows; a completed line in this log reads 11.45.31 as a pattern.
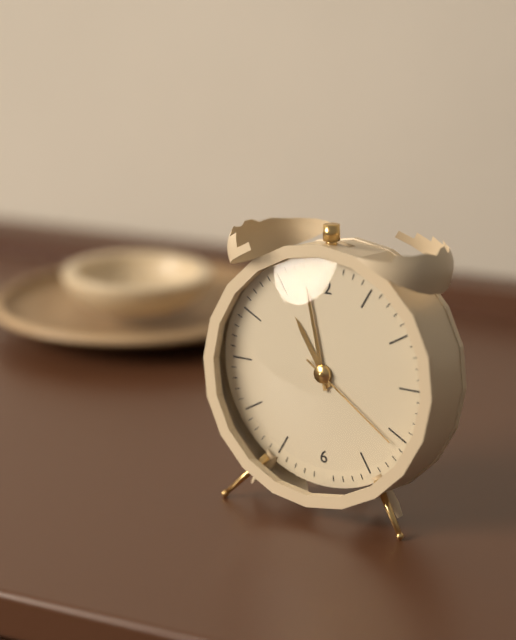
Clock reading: 10.58.21
